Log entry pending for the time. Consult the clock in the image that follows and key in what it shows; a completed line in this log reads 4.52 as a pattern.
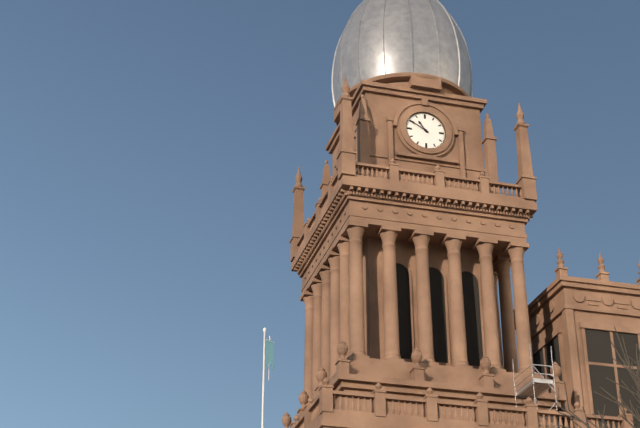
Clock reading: 10.50
